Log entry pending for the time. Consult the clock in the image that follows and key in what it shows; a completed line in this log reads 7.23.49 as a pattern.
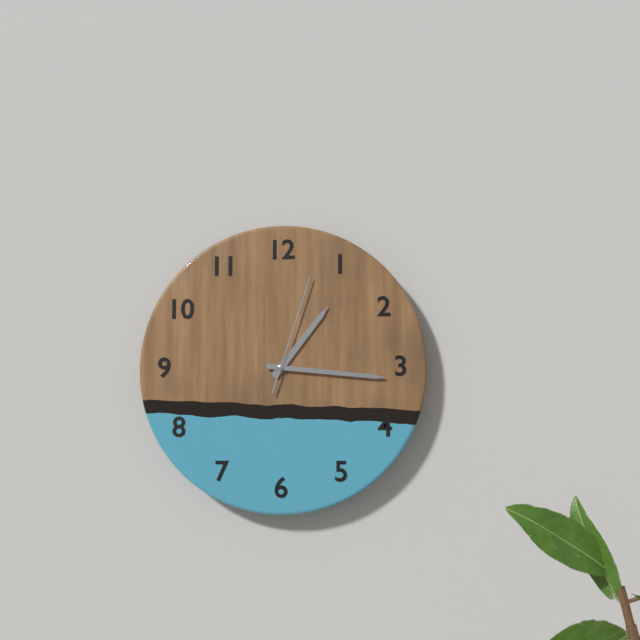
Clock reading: 1.16.03
